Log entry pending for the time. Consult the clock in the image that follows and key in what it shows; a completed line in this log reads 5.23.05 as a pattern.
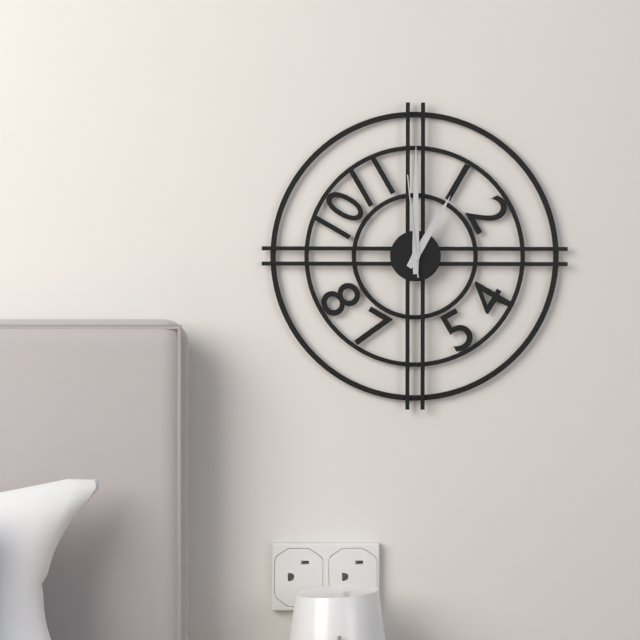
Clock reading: 1.00.59
